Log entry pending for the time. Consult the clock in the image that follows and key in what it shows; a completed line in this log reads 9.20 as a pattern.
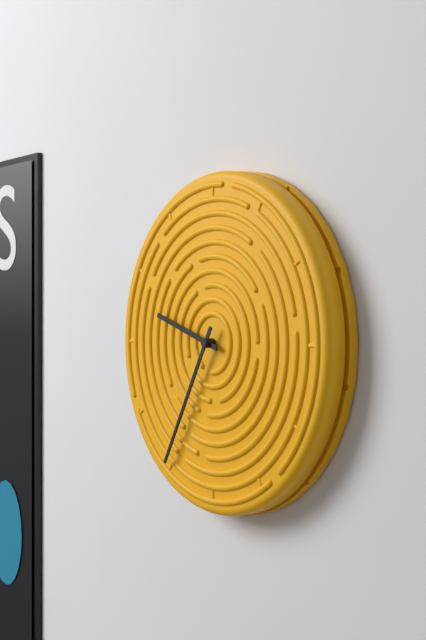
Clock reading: 9.35
